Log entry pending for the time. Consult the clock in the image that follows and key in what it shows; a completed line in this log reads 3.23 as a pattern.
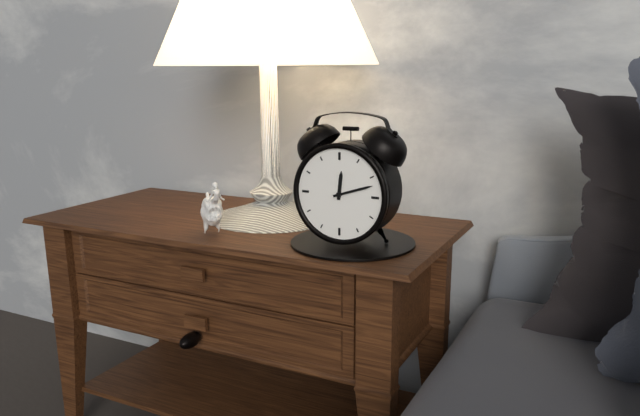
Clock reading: 12.12
